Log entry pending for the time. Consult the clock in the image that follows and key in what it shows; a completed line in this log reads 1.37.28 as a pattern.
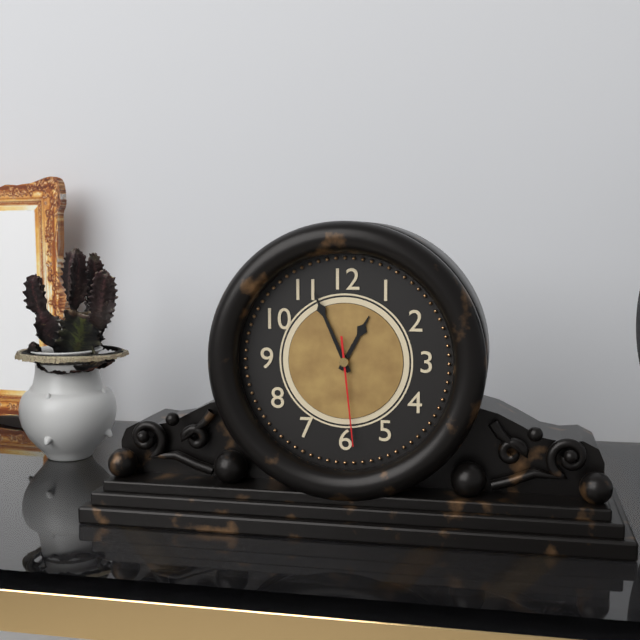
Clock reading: 12.56.29
